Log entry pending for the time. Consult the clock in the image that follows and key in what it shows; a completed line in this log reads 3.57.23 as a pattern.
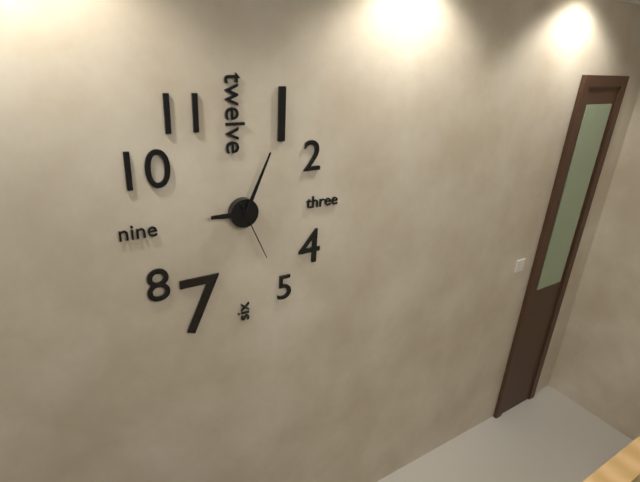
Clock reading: 9.04.26
